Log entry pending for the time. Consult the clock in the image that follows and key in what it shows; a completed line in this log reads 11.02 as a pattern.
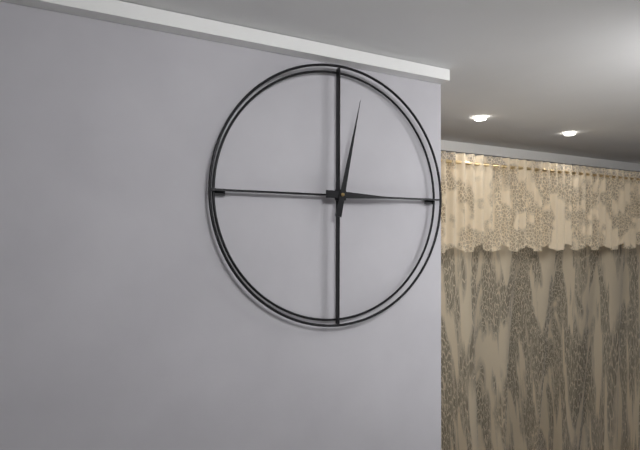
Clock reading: 3.02
